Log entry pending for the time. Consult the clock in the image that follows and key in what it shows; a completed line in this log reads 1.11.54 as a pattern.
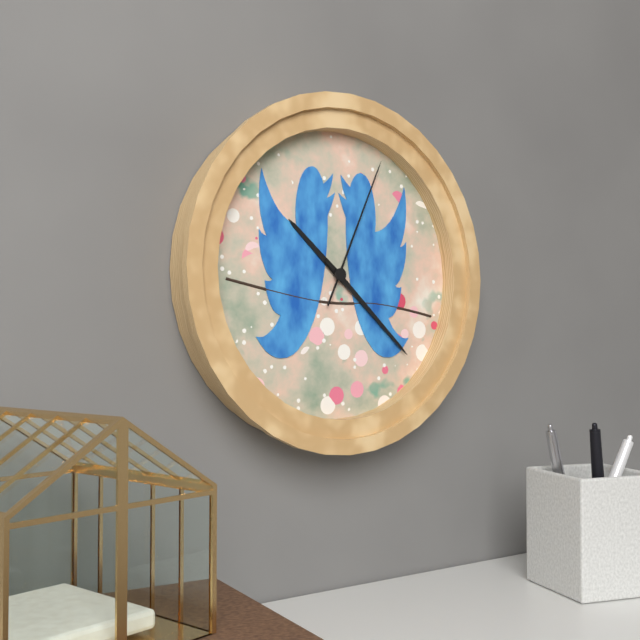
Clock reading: 10.22.04
